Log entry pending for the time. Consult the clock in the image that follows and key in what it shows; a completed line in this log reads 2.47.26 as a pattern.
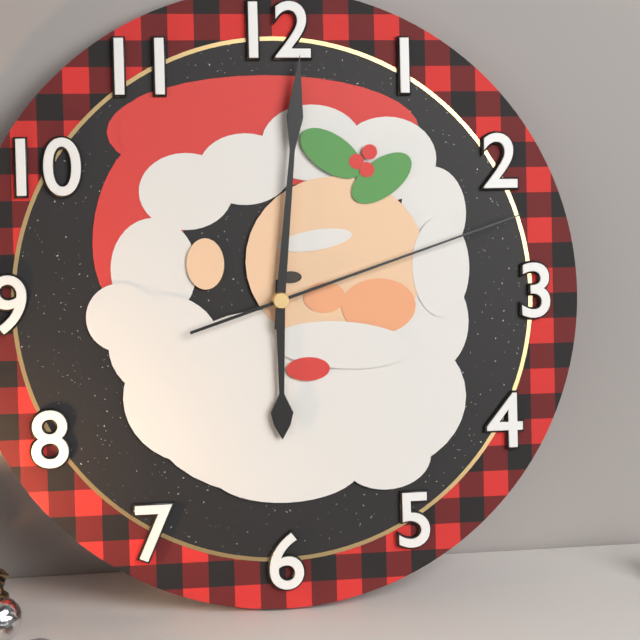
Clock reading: 6.01.12
